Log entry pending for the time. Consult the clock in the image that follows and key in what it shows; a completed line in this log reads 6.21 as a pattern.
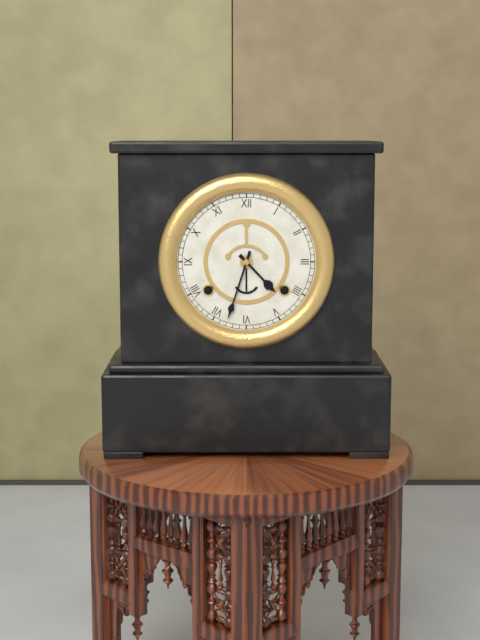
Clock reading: 4.33
